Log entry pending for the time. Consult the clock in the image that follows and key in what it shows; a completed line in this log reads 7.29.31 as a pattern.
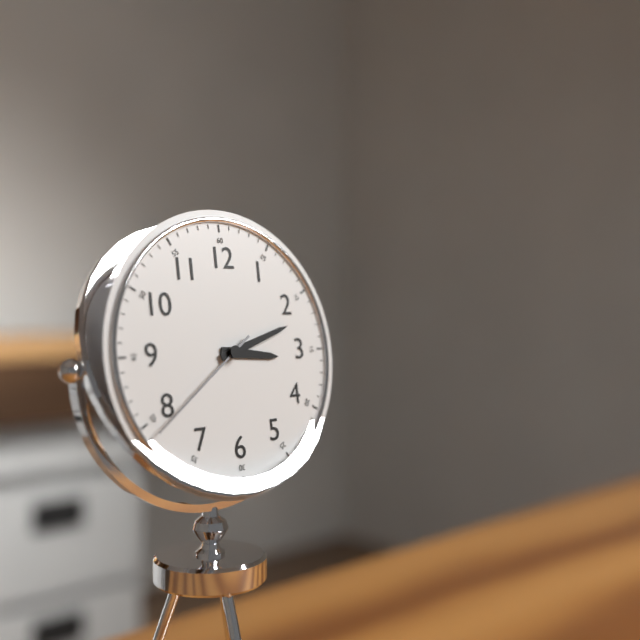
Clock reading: 3.12.39
